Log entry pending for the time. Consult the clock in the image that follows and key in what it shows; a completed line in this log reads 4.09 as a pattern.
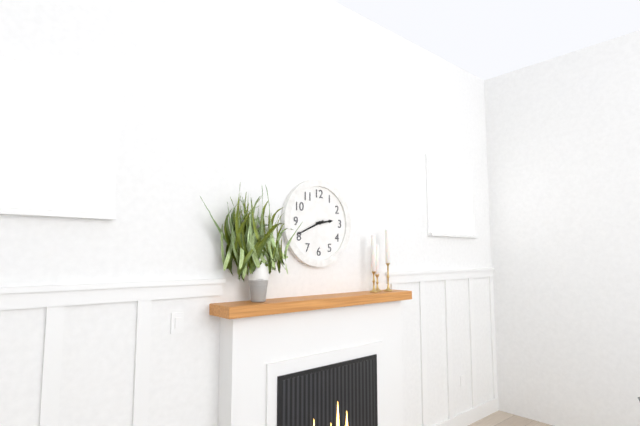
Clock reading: 2.41
